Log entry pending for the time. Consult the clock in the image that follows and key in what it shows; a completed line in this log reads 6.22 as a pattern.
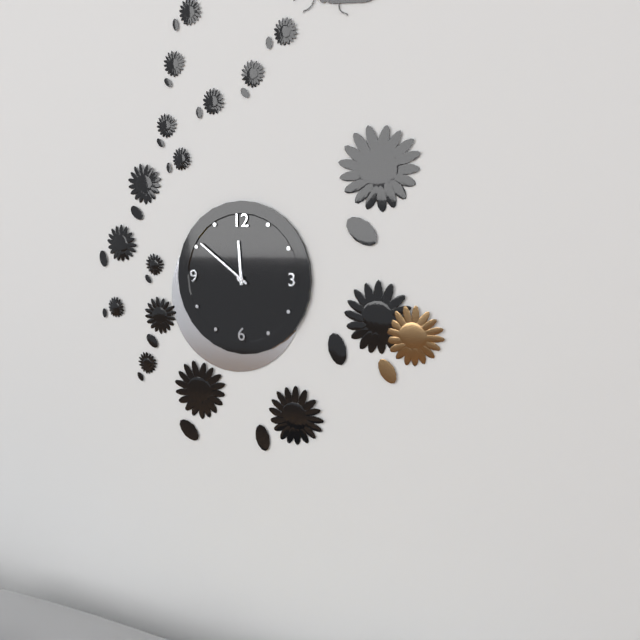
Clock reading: 11.51
